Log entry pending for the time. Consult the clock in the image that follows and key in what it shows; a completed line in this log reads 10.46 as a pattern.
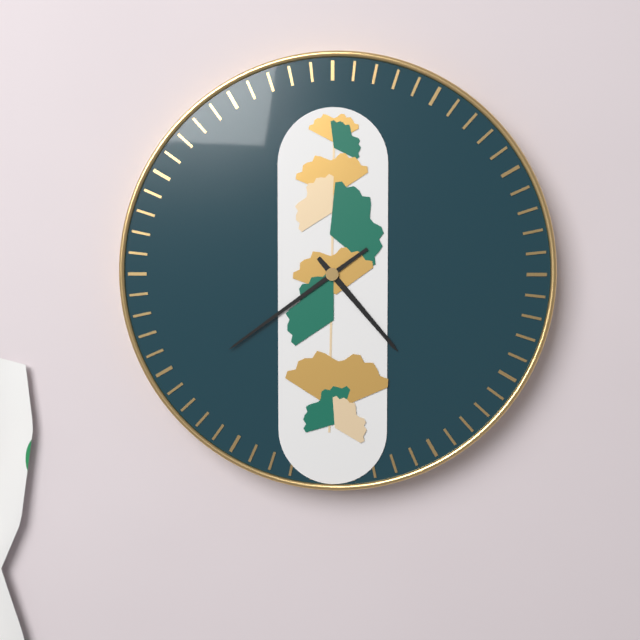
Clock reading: 4.39
